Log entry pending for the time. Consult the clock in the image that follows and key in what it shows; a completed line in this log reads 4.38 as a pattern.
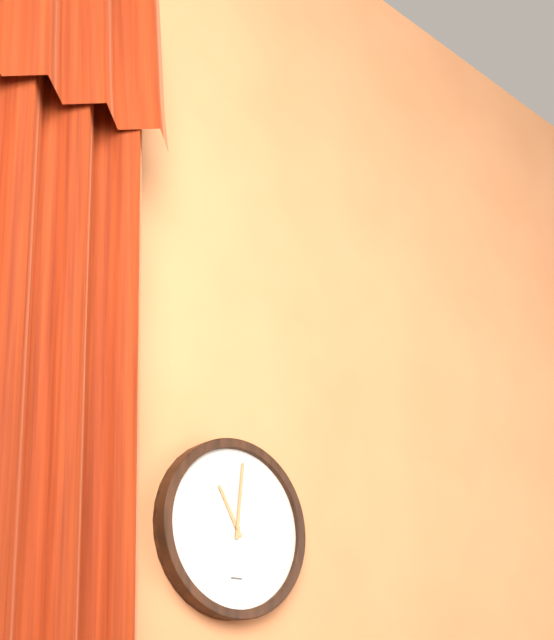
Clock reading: 11.01
